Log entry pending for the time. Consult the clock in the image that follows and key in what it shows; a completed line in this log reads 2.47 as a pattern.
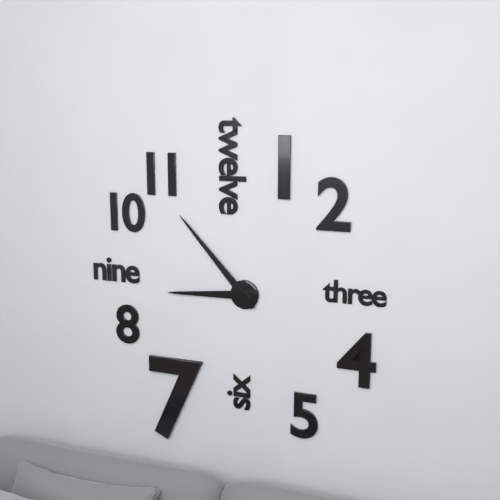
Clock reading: 8.53
